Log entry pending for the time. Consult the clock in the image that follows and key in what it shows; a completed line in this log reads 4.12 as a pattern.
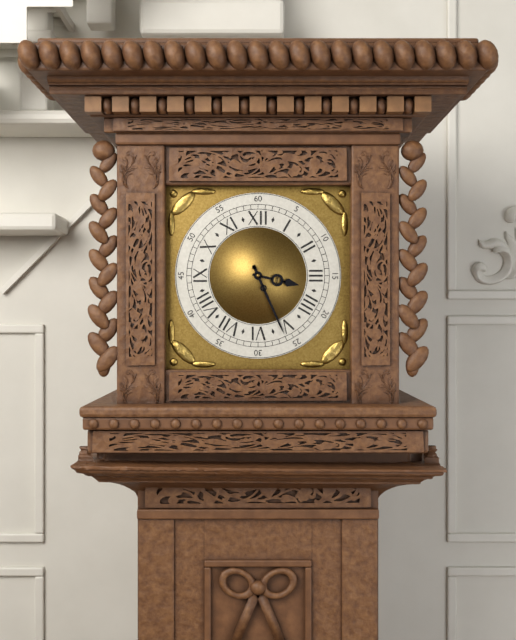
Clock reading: 3.26
